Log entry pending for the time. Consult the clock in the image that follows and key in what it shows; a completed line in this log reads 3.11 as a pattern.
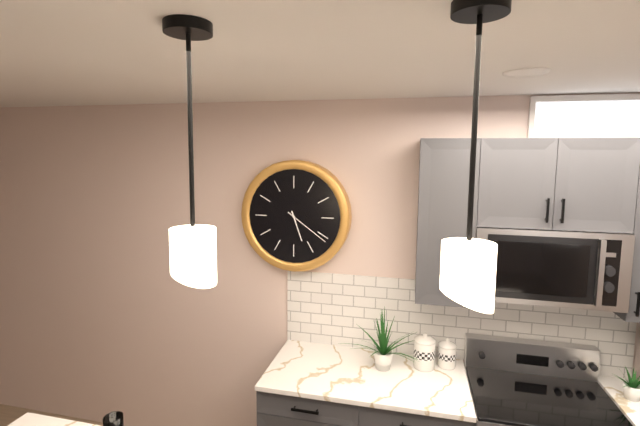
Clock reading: 5.21
